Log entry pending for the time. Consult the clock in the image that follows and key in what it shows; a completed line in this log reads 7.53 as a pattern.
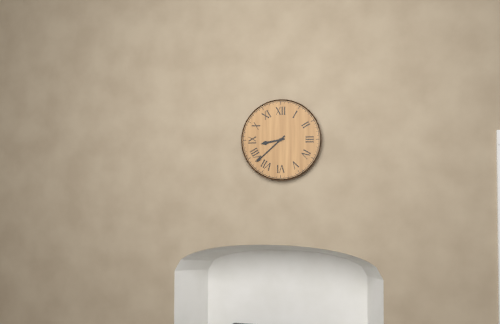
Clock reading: 8.38
